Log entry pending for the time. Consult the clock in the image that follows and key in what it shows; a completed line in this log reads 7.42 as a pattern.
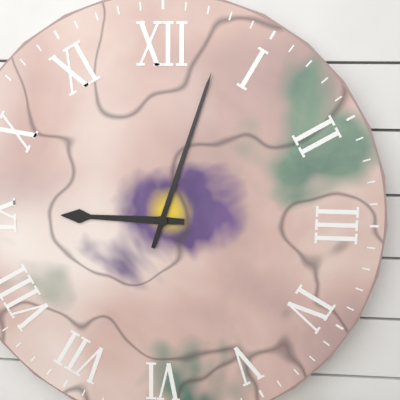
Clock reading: 9.03
